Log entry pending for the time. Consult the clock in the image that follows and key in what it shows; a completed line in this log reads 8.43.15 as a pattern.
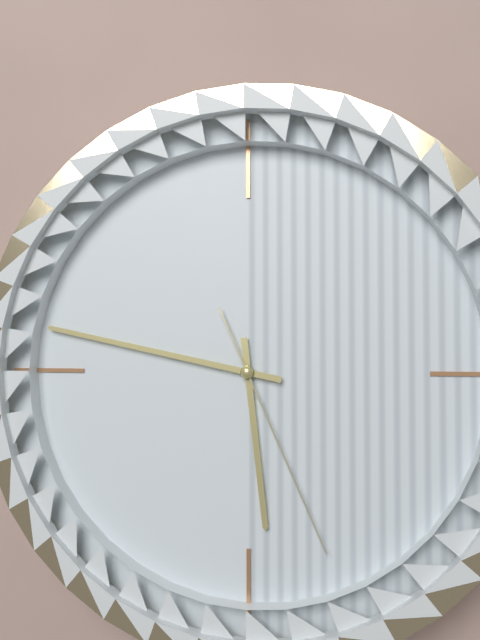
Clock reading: 5.47.26
